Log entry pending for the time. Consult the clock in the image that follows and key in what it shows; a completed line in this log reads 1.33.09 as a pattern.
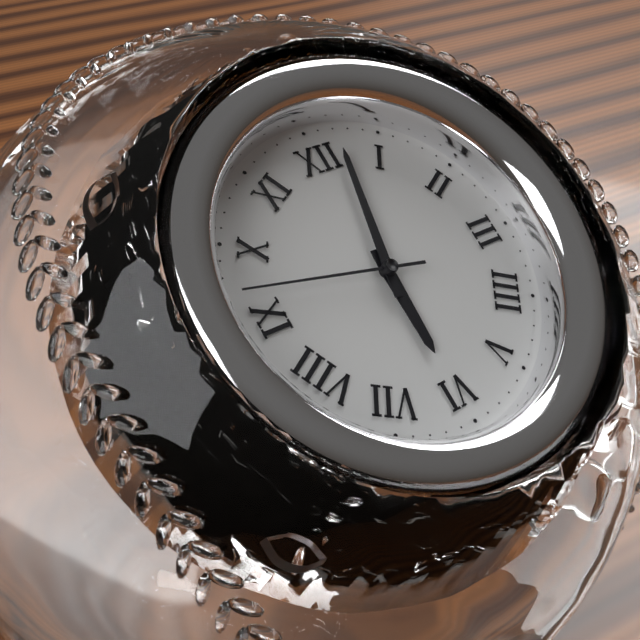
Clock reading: 6.02.47
